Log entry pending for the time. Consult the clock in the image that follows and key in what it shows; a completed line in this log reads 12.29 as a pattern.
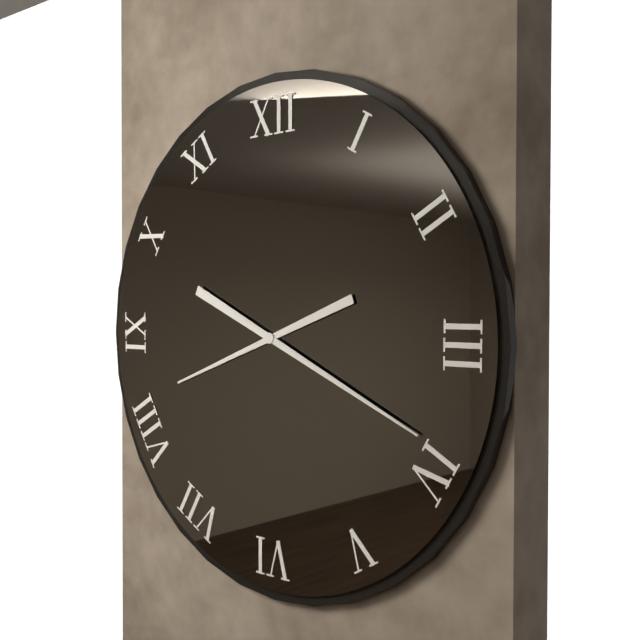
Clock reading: 8.19
